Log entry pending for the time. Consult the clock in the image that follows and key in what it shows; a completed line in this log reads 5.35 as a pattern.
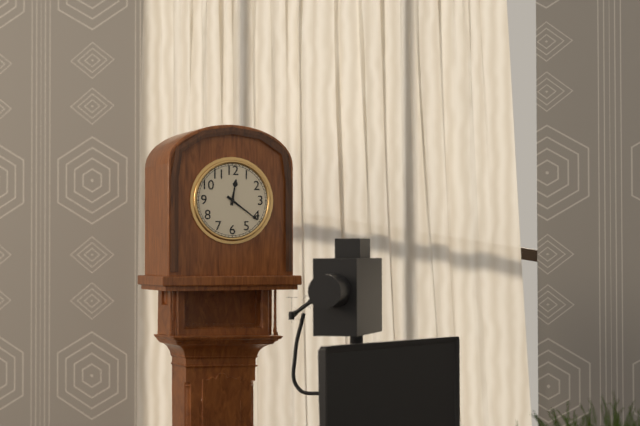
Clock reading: 12.21
